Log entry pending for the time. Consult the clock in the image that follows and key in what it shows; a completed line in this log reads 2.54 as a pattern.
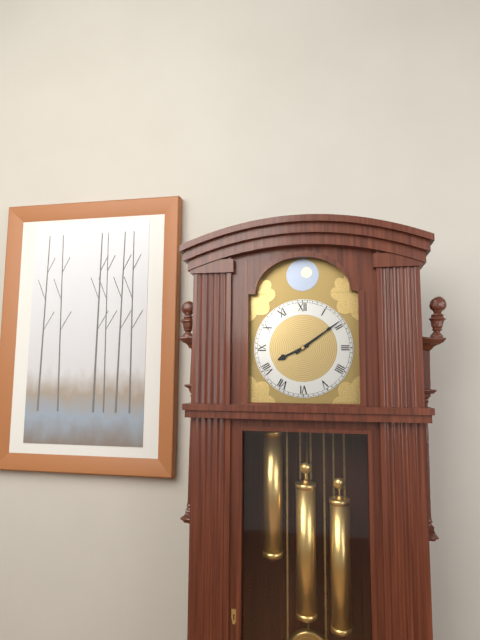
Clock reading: 8.09
